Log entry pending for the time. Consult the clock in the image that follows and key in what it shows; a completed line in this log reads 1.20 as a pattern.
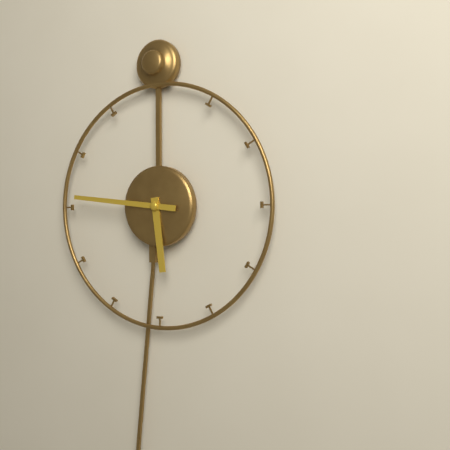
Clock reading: 5.46
